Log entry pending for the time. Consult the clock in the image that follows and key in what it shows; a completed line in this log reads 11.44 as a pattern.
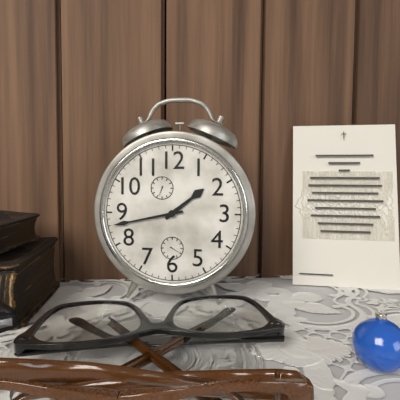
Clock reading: 1.43
